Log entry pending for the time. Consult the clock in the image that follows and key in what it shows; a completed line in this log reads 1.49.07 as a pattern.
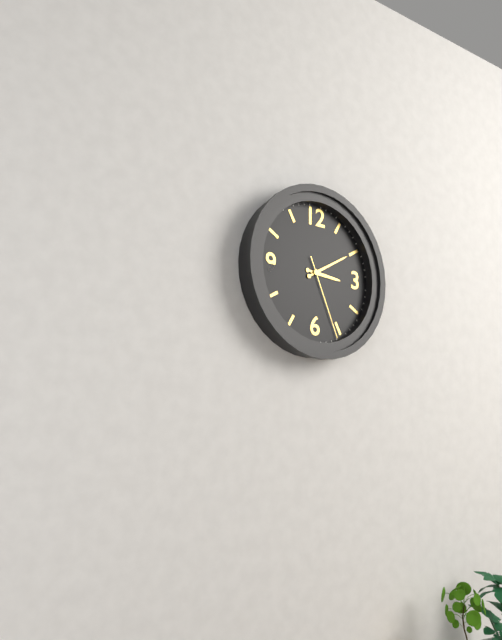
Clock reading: 3.10.26
